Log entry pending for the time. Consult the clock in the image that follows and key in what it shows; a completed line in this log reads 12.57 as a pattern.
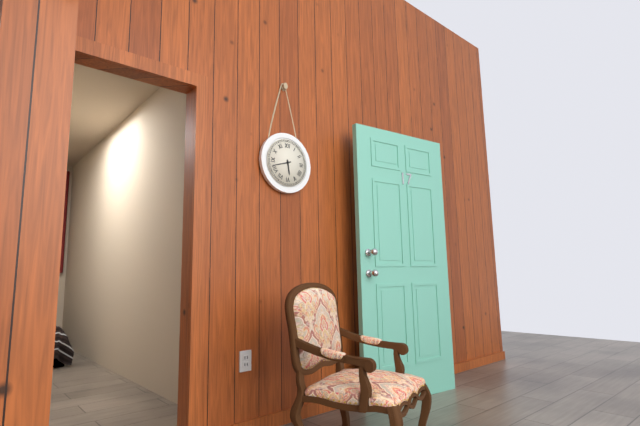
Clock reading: 5.42
